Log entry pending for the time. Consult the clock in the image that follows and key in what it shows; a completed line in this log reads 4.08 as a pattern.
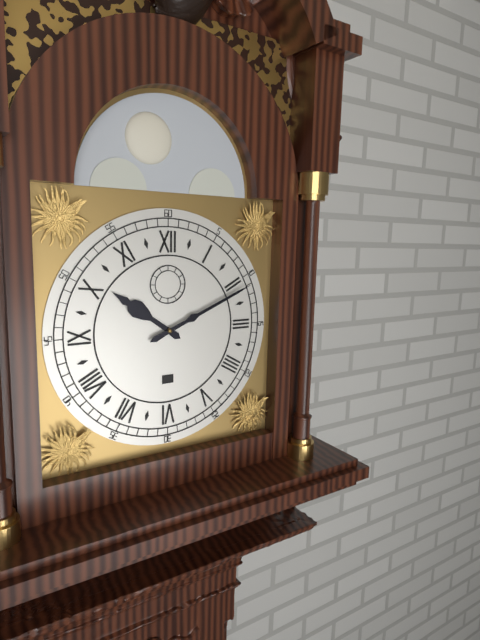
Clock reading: 10.11
